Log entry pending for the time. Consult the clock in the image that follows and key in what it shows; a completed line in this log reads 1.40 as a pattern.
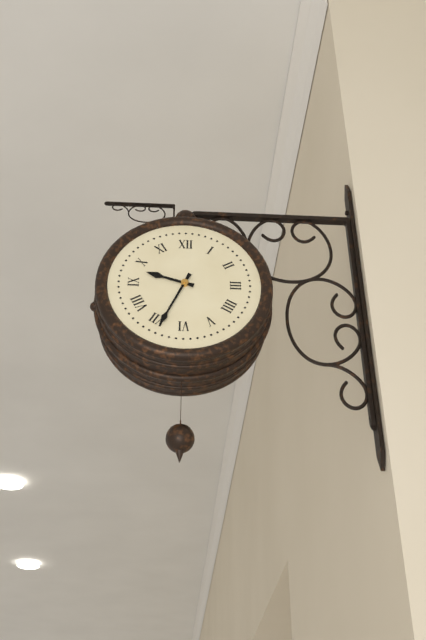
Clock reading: 9.34
